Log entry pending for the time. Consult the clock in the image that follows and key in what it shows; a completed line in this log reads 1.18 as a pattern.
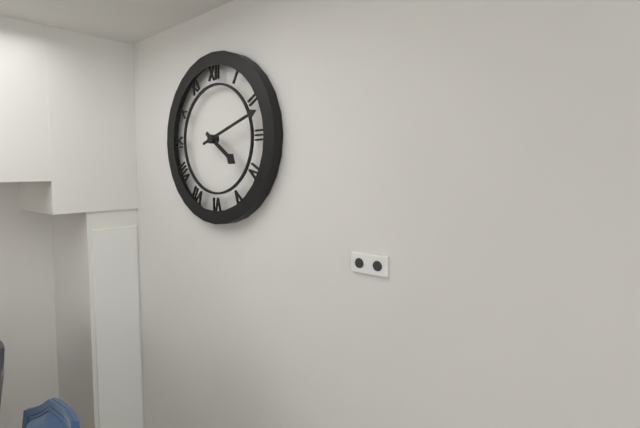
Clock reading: 4.12
